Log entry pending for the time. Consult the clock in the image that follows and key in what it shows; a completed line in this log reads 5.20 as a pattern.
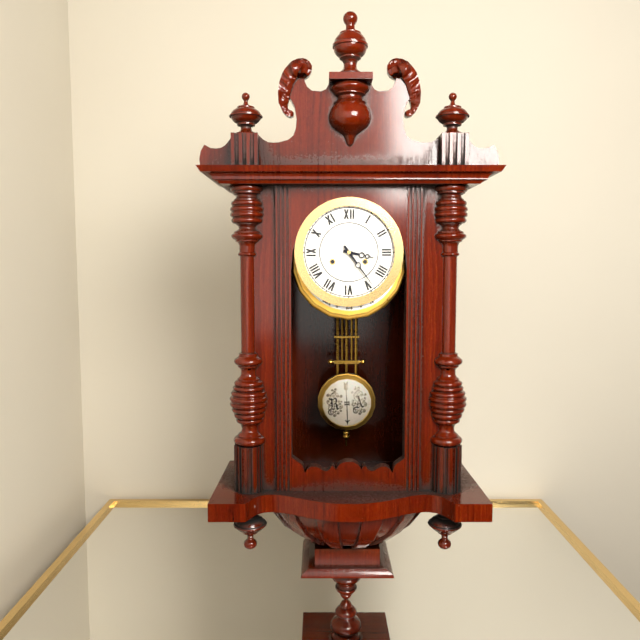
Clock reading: 3.24
